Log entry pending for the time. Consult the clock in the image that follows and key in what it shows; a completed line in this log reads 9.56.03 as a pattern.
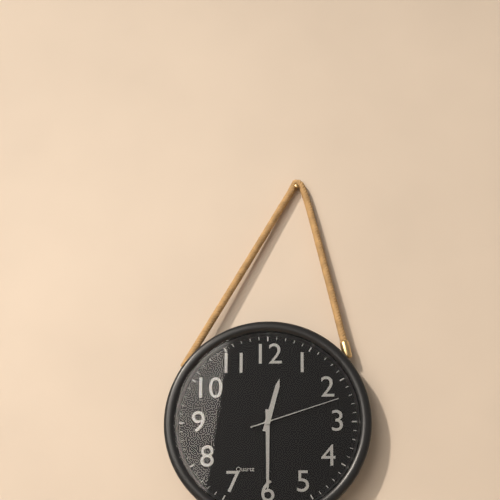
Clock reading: 12.30.12
